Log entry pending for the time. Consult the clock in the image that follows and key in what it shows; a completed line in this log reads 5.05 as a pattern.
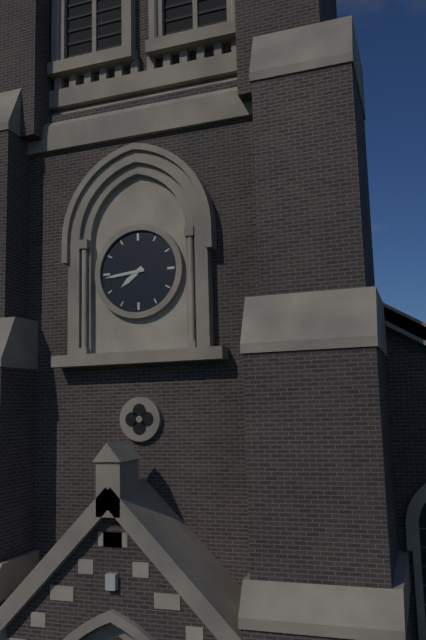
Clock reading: 7.44
